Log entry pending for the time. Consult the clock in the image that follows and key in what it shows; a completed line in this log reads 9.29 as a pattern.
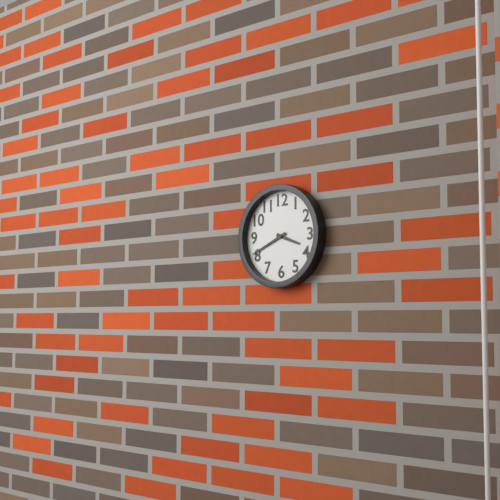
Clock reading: 3.41
